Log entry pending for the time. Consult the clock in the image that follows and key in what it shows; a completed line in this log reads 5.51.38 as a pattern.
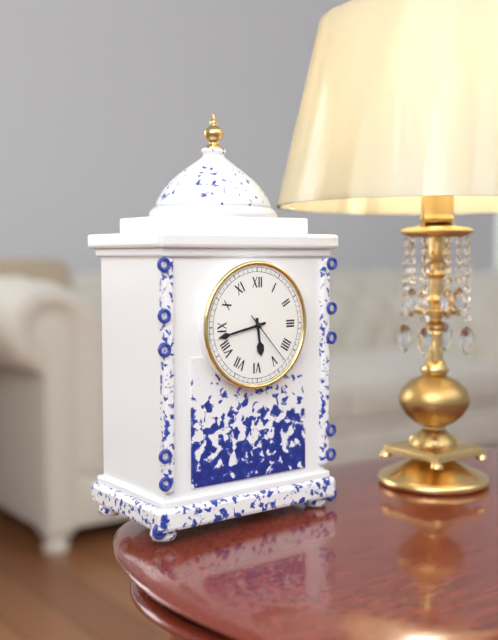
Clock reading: 5.43.23
